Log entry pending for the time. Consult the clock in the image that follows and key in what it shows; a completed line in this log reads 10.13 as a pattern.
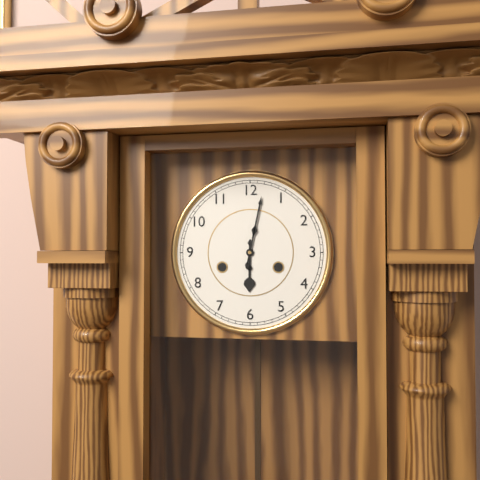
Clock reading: 6.02
